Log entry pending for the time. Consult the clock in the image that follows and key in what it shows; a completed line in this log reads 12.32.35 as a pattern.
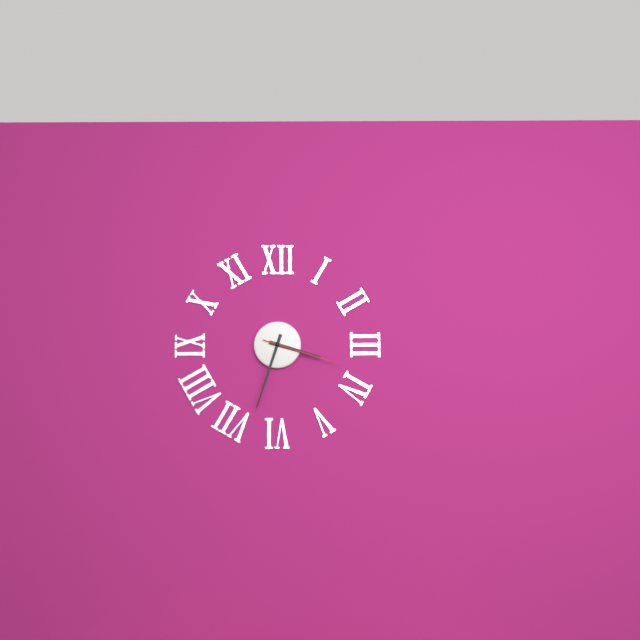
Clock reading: 3.33.18
